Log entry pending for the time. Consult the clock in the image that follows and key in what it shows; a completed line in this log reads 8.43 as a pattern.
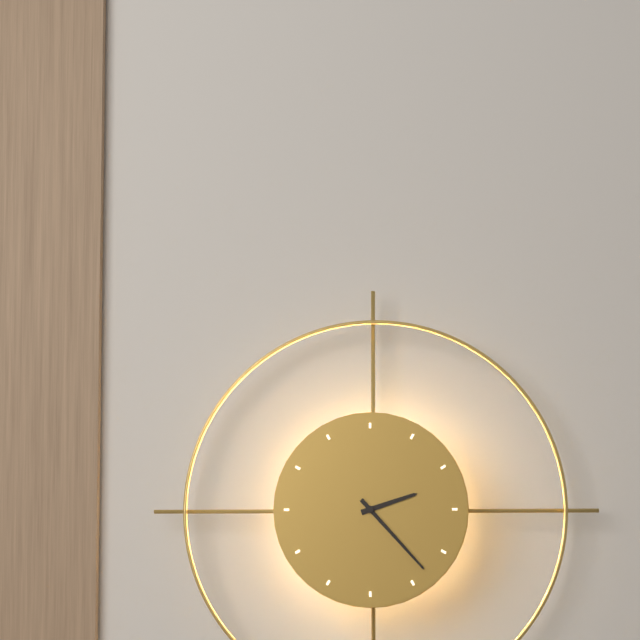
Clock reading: 2.23
